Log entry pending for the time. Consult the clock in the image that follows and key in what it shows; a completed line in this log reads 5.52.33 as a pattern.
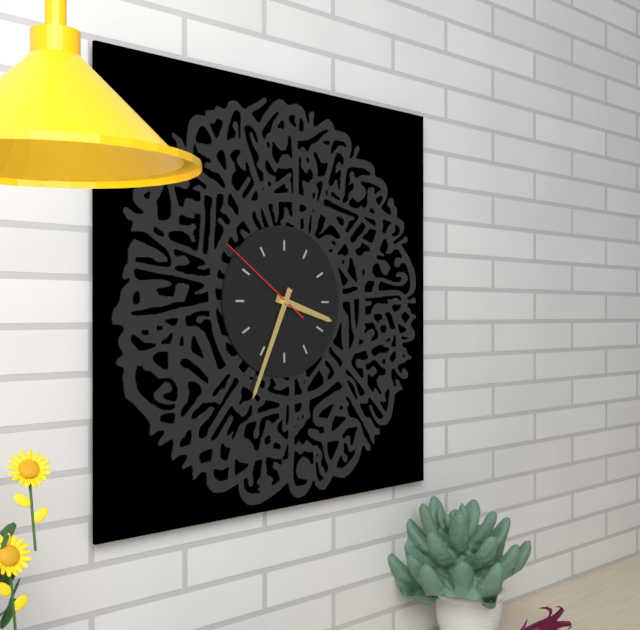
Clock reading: 3.34.51
